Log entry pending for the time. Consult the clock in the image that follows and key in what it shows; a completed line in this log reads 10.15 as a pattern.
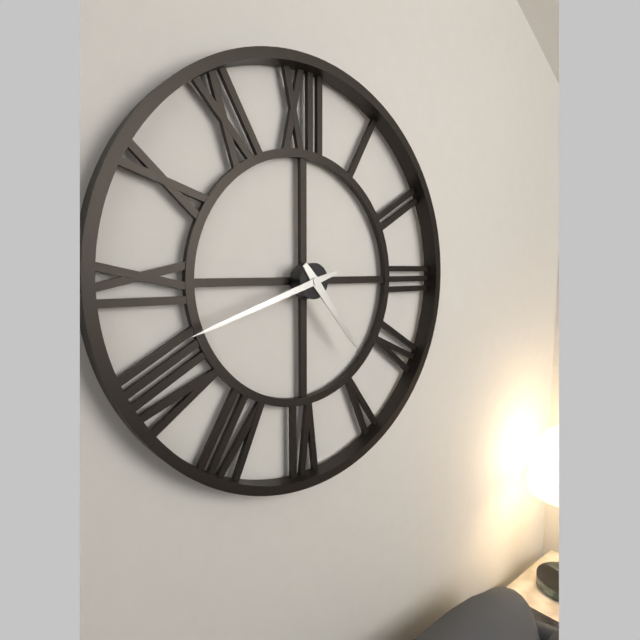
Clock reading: 4.42
